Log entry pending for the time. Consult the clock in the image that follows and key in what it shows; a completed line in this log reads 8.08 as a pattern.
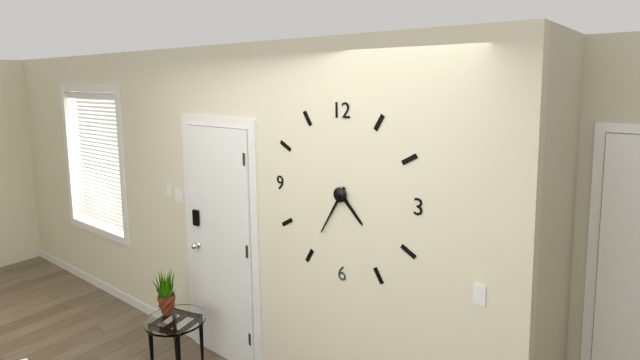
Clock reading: 4.35
